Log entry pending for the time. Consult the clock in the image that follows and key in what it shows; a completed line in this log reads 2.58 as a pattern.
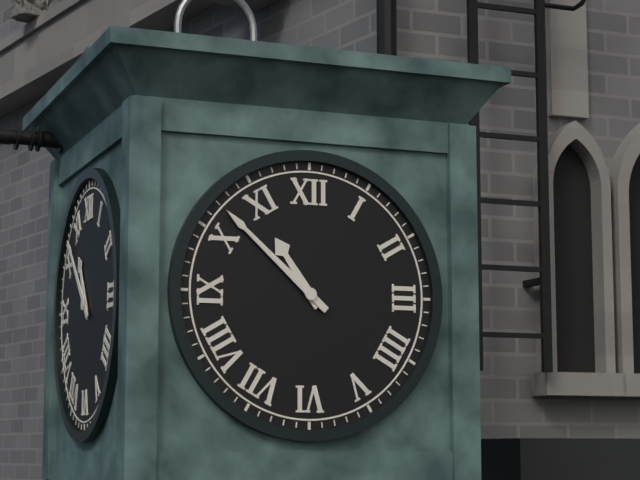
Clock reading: 10.52
